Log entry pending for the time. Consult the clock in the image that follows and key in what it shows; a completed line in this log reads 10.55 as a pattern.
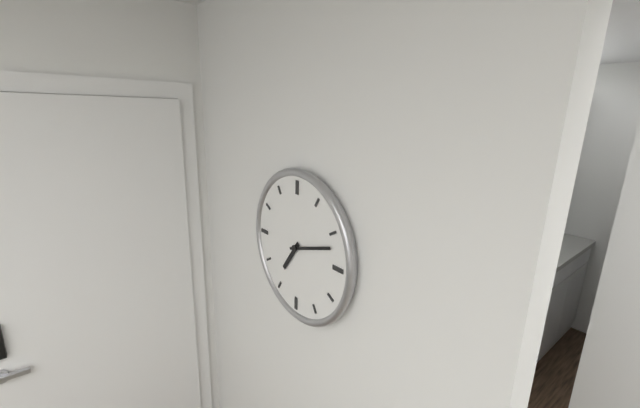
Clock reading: 7.12
